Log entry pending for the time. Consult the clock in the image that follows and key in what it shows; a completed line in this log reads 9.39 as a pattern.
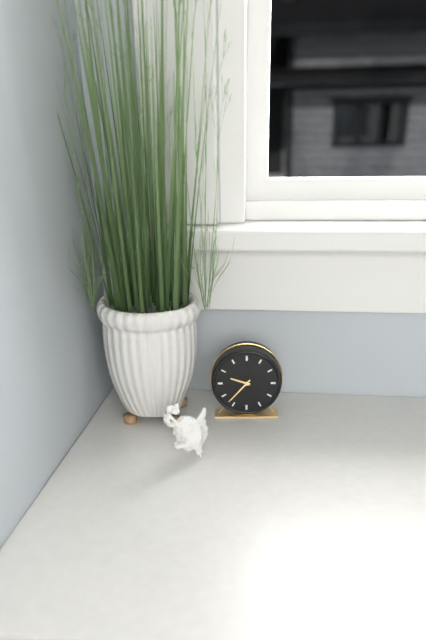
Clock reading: 9.37
